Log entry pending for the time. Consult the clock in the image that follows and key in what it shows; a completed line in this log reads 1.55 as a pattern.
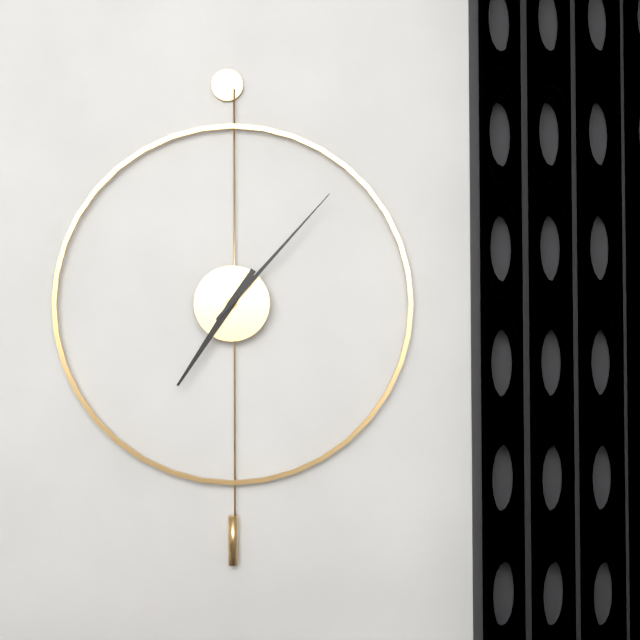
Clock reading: 7.07
